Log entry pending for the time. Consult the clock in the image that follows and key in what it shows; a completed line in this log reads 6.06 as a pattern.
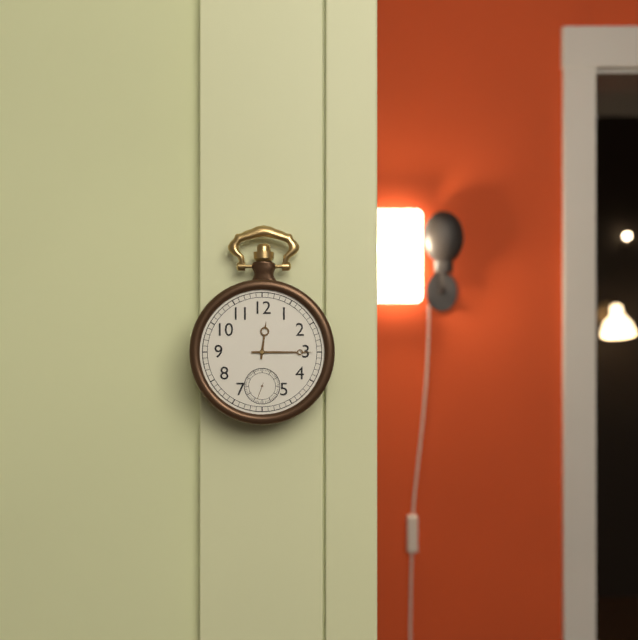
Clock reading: 12.15
